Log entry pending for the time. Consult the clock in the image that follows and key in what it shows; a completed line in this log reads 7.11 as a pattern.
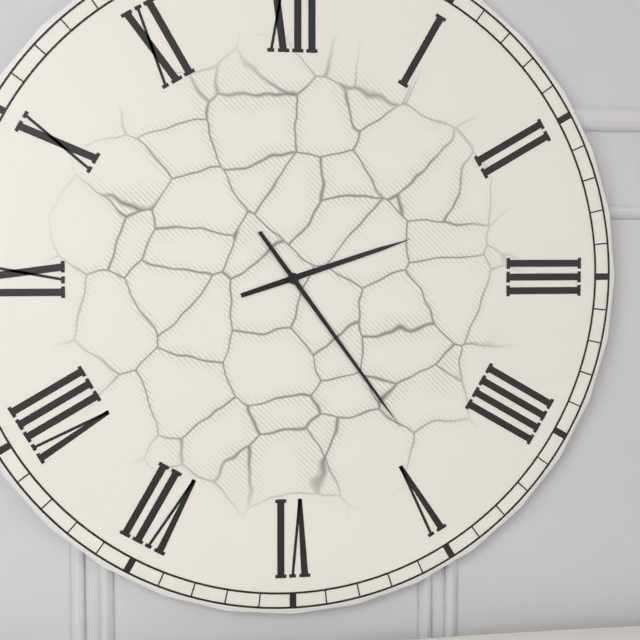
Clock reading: 2.24
